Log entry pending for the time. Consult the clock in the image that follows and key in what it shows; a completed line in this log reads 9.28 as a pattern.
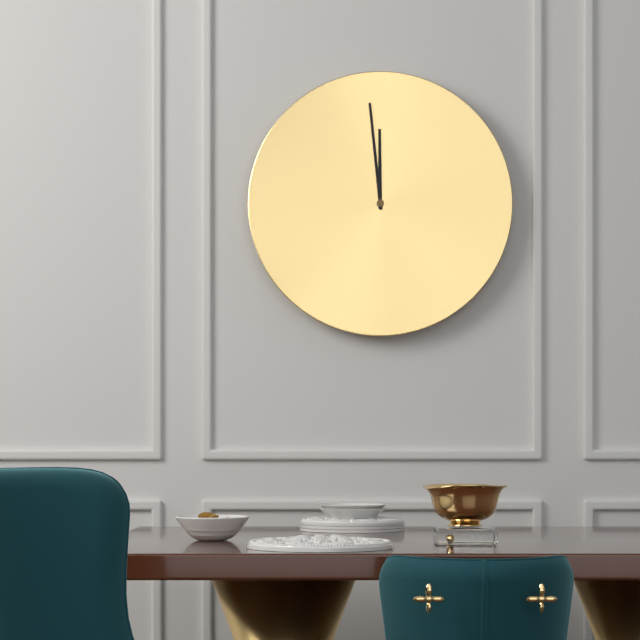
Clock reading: 11.59
